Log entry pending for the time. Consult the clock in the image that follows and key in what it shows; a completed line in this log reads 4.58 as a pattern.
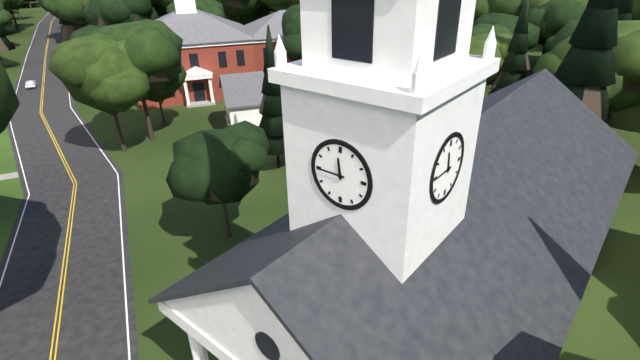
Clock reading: 11.45
